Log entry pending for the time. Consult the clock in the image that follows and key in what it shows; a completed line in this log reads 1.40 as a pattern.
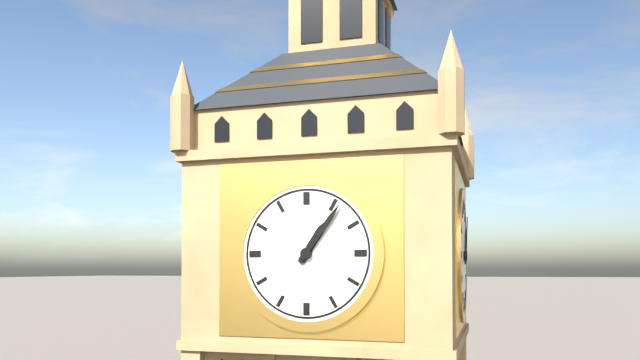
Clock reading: 1.06
